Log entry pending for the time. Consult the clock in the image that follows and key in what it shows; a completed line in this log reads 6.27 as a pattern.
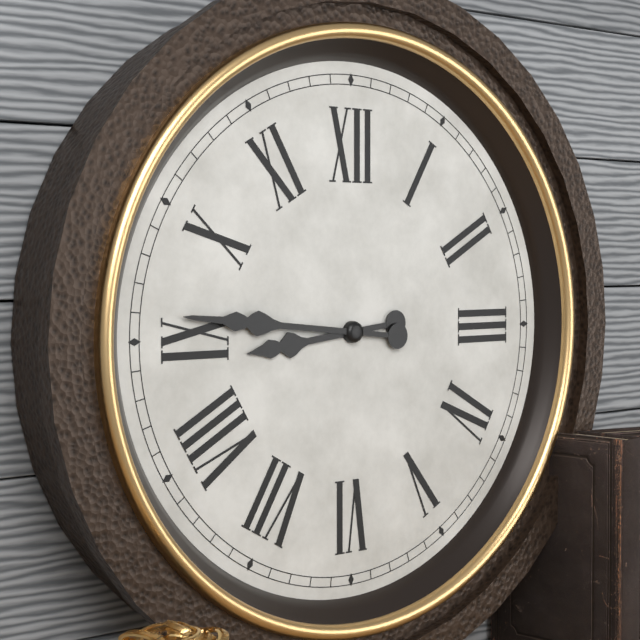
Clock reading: 8.46
